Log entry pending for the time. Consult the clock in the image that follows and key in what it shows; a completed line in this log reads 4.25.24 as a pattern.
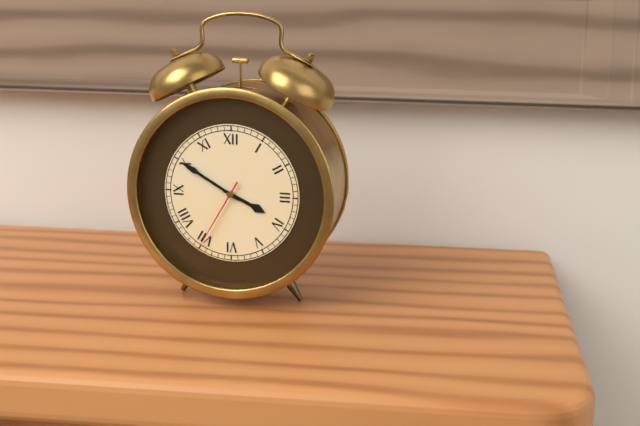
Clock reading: 3.50.35
